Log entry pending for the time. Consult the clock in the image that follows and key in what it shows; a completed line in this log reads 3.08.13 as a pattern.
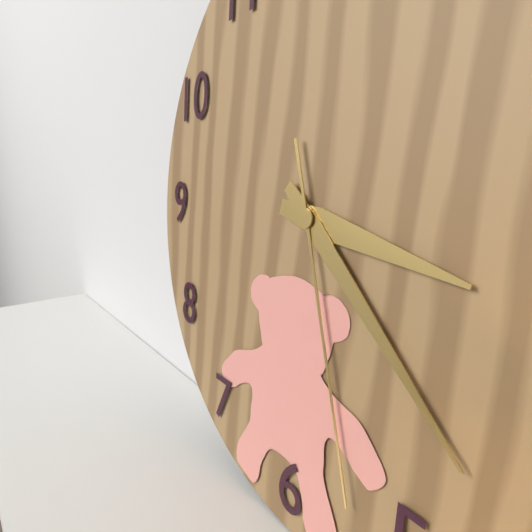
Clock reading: 3.22.27
